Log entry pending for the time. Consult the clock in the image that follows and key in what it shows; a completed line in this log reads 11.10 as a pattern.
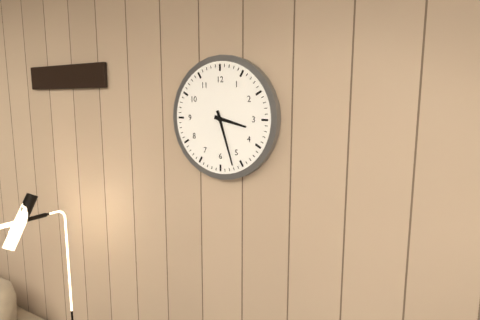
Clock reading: 3.27
